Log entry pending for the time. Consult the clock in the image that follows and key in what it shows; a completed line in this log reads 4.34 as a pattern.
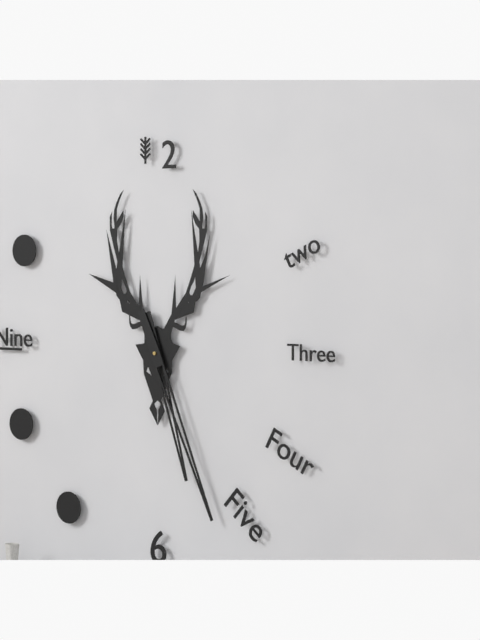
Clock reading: 5.26
